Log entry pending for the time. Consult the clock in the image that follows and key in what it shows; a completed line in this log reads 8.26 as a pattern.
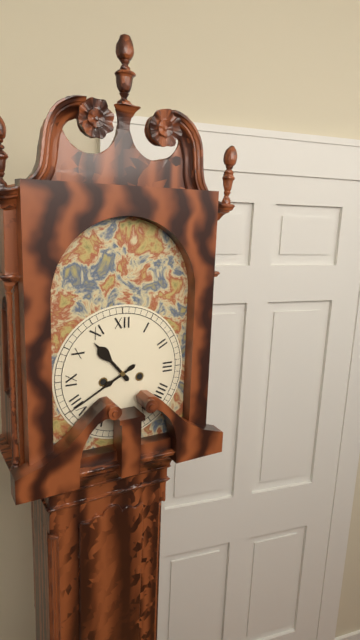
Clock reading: 10.40
